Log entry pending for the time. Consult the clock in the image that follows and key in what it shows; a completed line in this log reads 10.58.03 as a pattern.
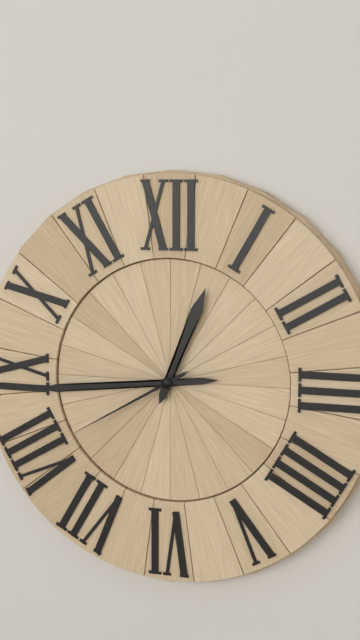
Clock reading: 12.44.40
